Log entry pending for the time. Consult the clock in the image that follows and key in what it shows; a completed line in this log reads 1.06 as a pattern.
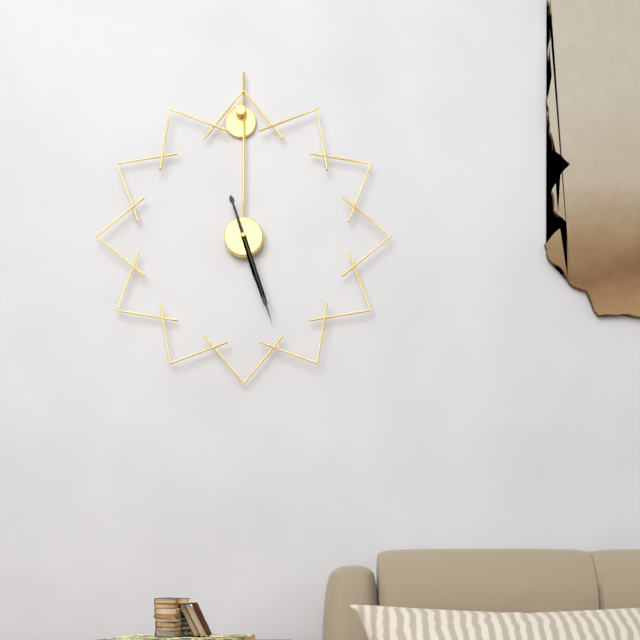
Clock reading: 5.27
